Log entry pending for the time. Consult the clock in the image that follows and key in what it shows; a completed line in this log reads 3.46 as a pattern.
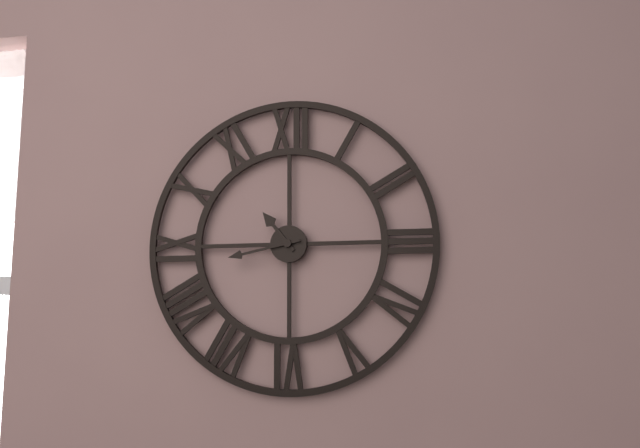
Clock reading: 10.43
